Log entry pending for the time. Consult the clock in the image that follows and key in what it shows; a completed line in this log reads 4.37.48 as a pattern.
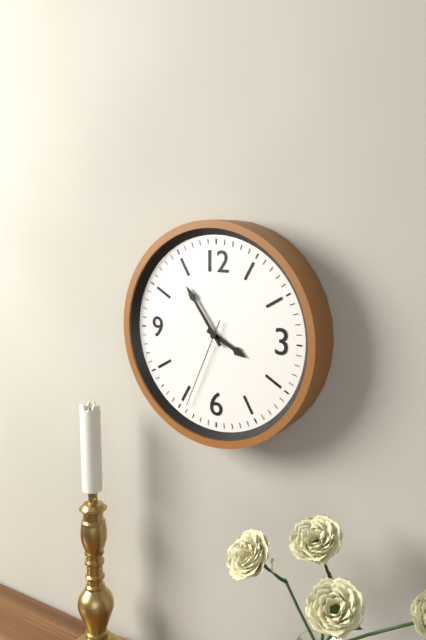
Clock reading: 3.54.34
